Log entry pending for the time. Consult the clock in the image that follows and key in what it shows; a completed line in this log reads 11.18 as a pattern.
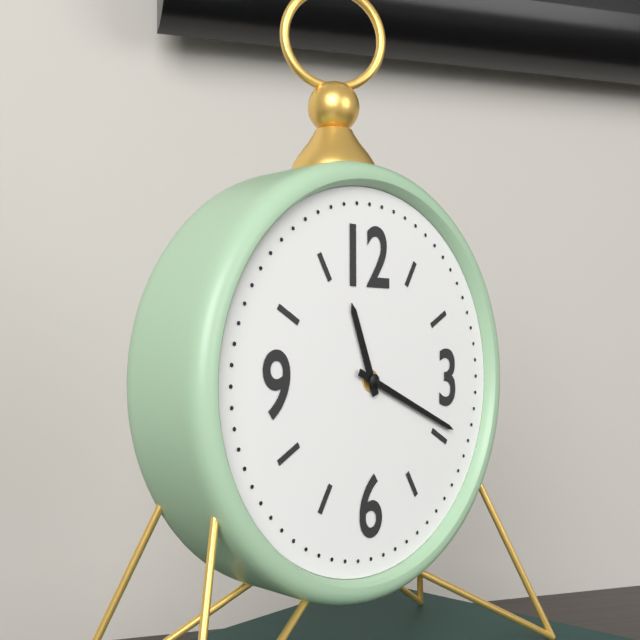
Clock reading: 11.19
